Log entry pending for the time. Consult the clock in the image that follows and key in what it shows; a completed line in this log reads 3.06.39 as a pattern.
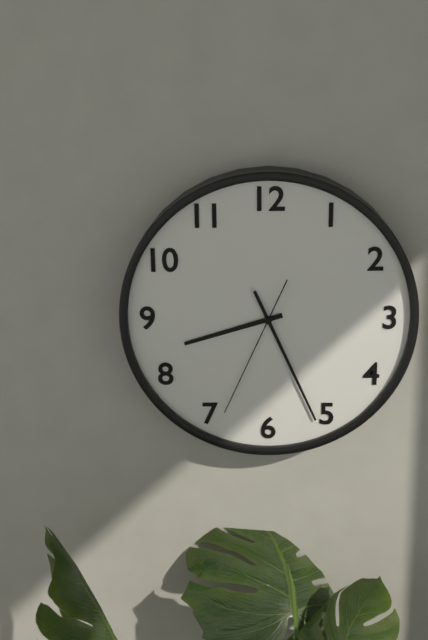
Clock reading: 8.26.34
